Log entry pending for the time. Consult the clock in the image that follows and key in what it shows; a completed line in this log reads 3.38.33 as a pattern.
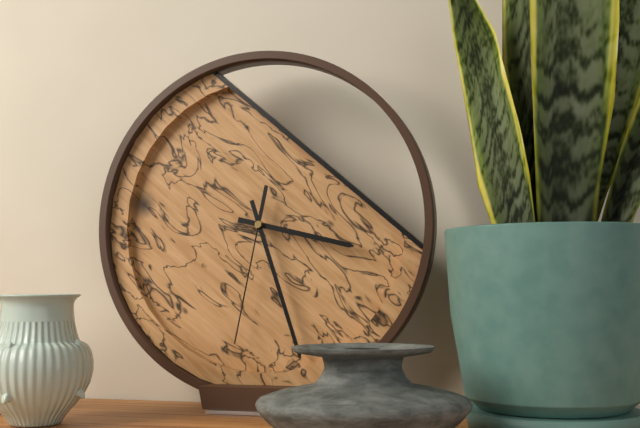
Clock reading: 3.27.32
